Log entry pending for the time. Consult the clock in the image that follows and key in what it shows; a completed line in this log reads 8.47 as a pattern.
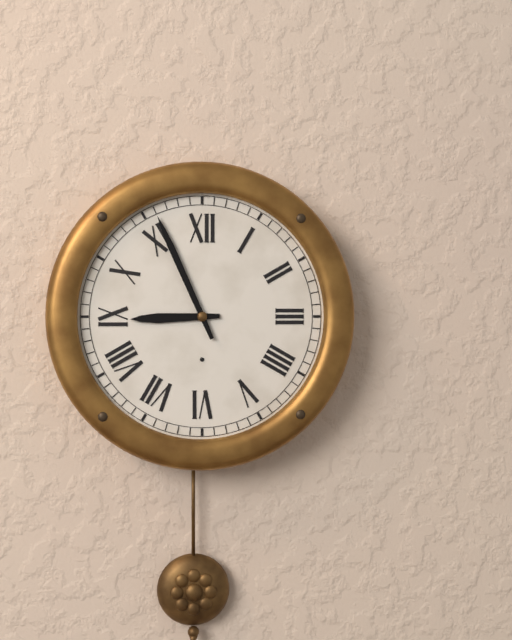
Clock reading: 8.56
